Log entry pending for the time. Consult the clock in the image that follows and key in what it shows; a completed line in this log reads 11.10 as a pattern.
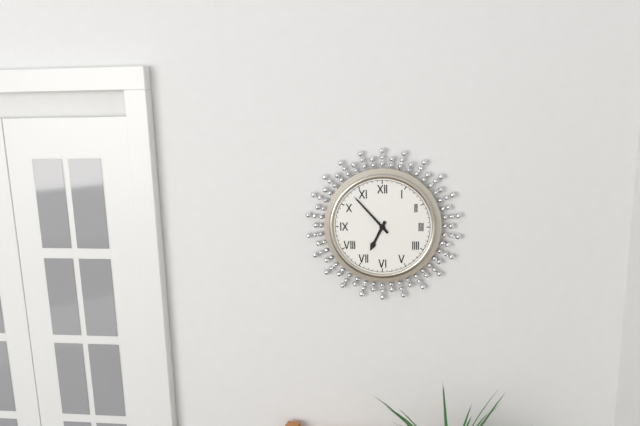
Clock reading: 6.53
